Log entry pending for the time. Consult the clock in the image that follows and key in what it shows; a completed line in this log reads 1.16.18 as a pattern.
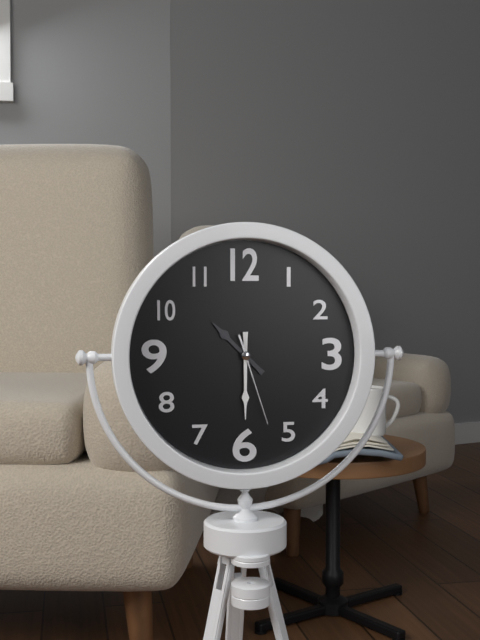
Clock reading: 10.30.27
